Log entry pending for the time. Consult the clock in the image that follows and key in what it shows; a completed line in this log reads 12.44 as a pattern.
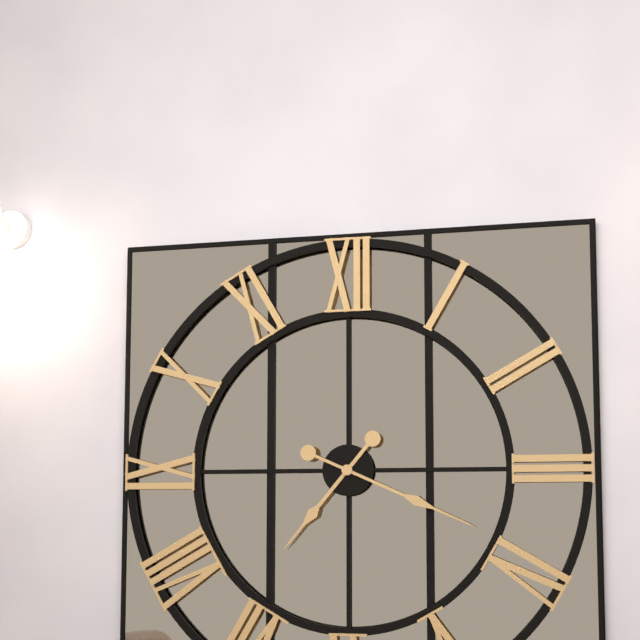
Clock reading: 7.19
